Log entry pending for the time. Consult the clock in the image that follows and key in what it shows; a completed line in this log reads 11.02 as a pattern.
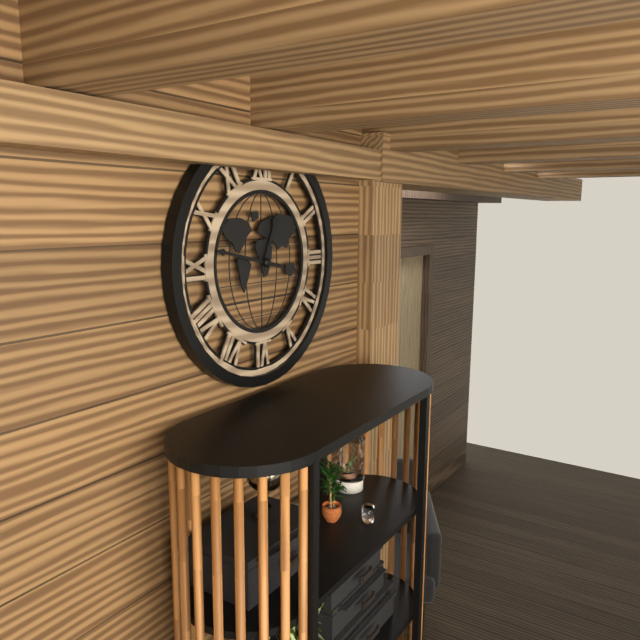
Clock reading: 12.47
